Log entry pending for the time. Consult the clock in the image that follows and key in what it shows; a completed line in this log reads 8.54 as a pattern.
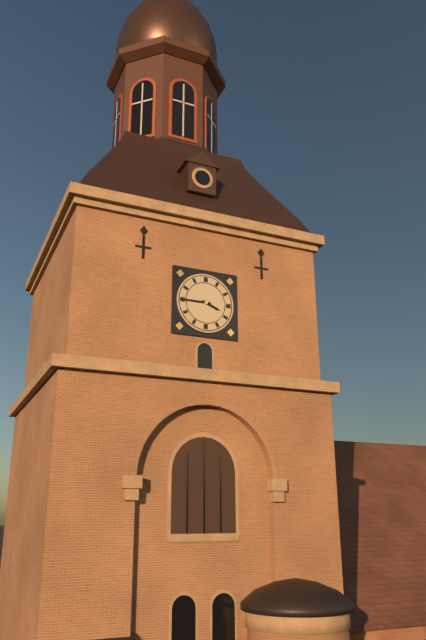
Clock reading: 3.45
